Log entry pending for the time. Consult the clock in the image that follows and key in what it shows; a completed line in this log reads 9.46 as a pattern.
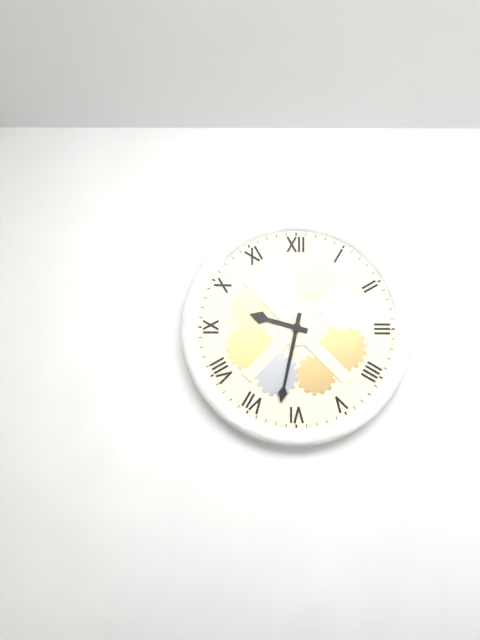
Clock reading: 9.32
